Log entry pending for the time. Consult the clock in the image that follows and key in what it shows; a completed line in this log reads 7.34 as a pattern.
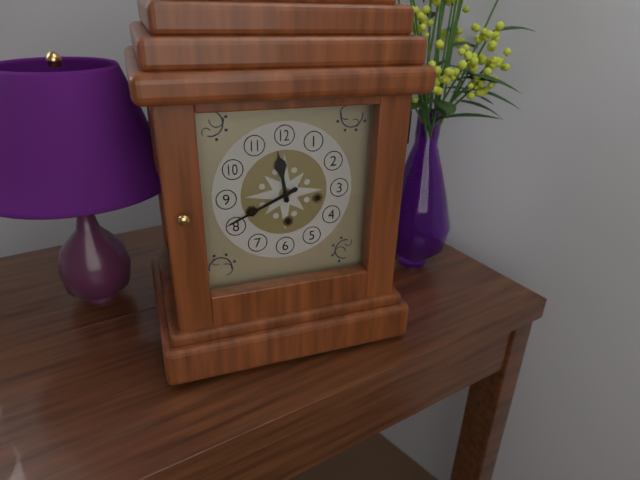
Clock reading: 11.41
